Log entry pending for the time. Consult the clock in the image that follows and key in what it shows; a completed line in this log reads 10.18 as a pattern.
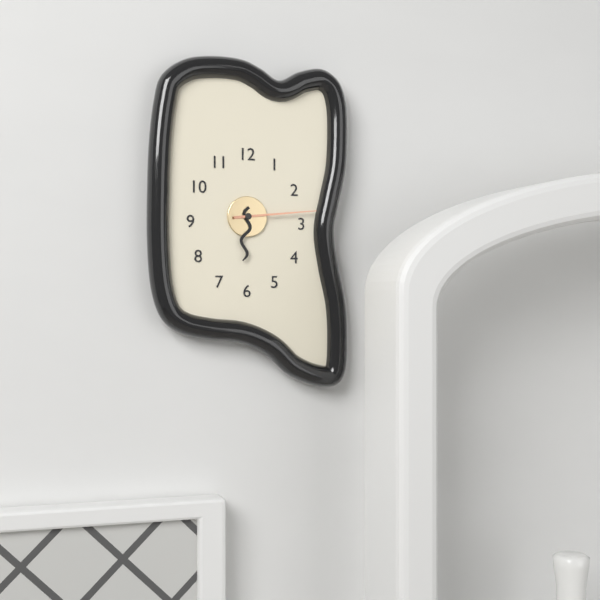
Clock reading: 6.14
